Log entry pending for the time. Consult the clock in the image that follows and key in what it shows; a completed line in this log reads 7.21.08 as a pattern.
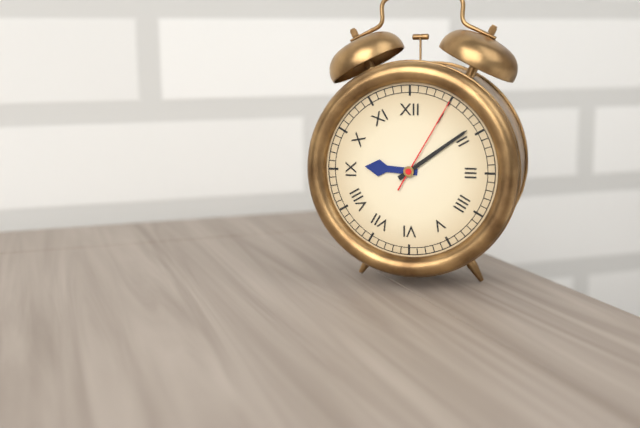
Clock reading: 9.09.05
